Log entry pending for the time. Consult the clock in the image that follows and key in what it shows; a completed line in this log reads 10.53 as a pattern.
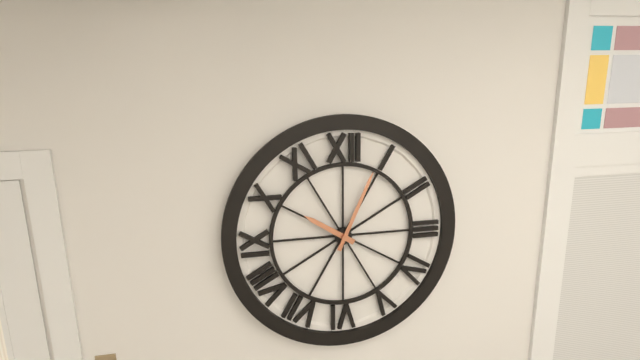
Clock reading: 10.04
